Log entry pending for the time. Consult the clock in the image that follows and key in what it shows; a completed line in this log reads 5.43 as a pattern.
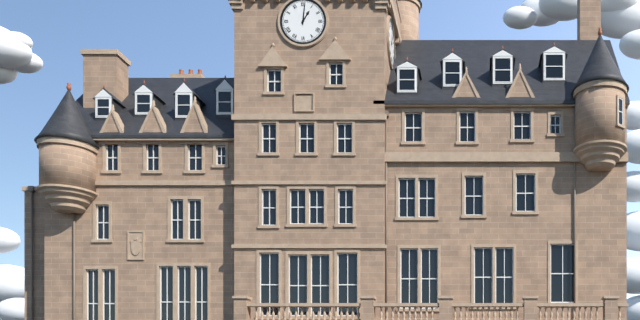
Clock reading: 1.01
